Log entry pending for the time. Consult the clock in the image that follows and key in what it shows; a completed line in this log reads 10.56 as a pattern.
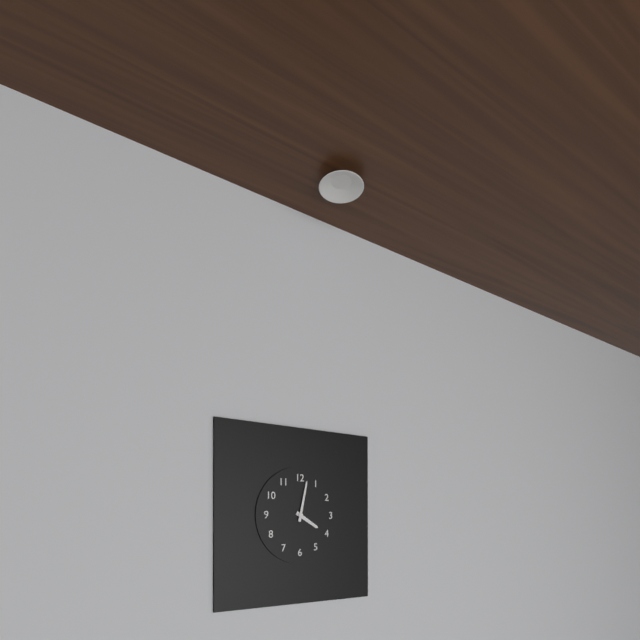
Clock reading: 4.02
